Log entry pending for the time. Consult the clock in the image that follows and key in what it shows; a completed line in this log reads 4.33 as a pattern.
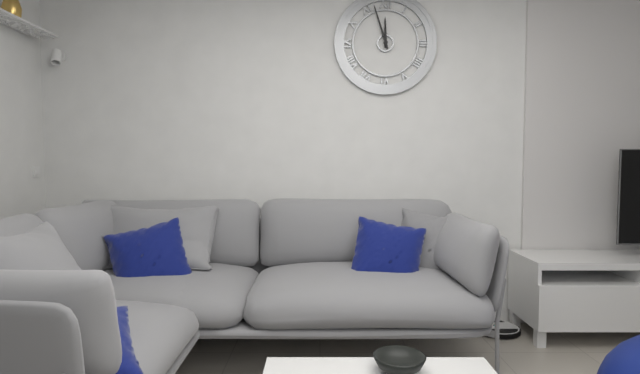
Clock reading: 11.57
